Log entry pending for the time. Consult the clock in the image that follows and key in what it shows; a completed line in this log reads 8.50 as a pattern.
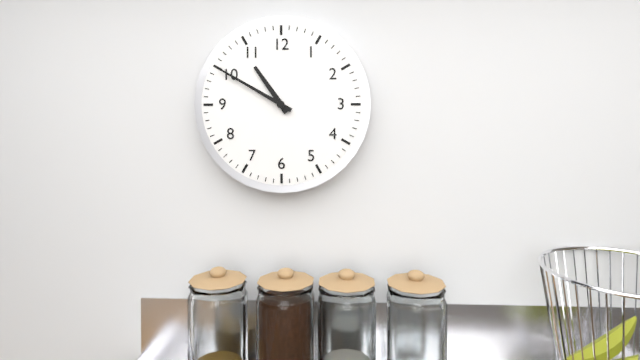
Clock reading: 10.50
